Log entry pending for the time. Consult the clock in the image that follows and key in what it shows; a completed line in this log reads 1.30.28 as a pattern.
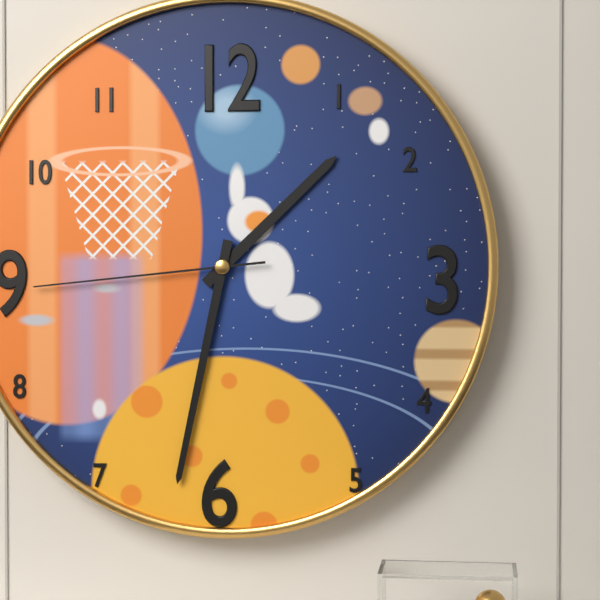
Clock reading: 1.32.44
